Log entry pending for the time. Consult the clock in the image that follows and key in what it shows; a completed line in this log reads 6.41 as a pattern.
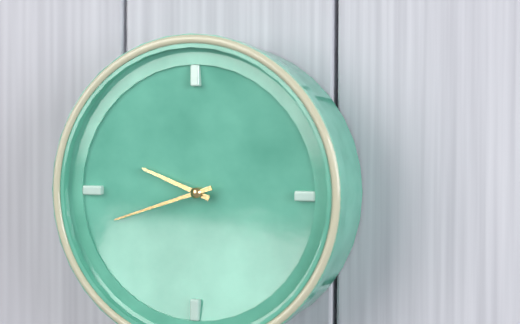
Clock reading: 9.42
